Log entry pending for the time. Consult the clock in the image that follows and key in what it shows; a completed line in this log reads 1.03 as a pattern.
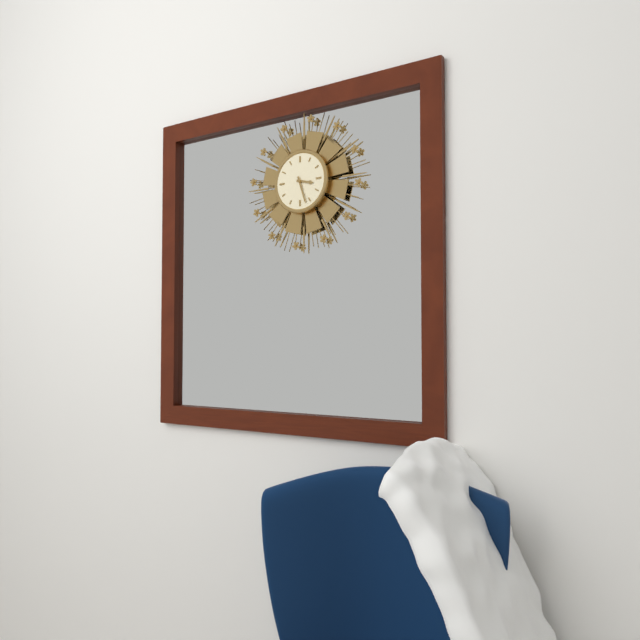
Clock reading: 3.27
